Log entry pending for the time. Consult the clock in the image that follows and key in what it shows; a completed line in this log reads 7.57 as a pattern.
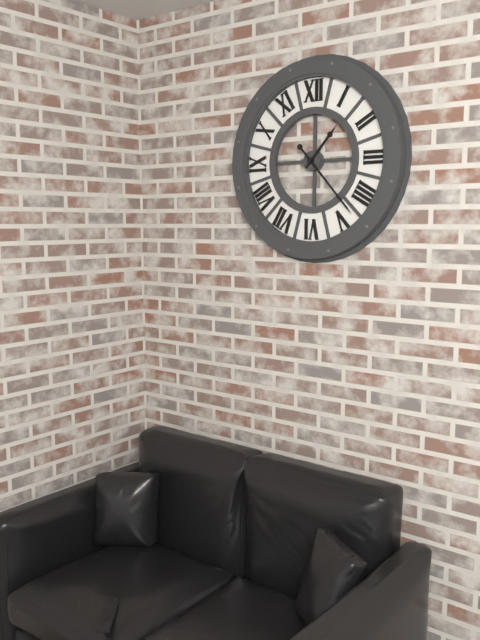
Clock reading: 1.23
